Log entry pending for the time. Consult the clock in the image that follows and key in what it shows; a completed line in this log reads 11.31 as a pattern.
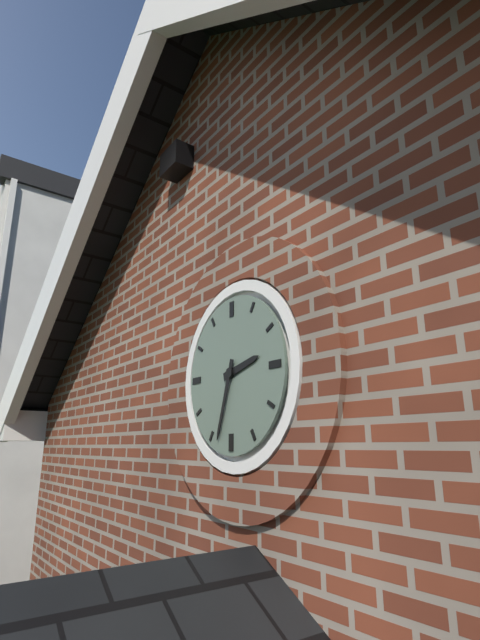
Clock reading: 2.33
